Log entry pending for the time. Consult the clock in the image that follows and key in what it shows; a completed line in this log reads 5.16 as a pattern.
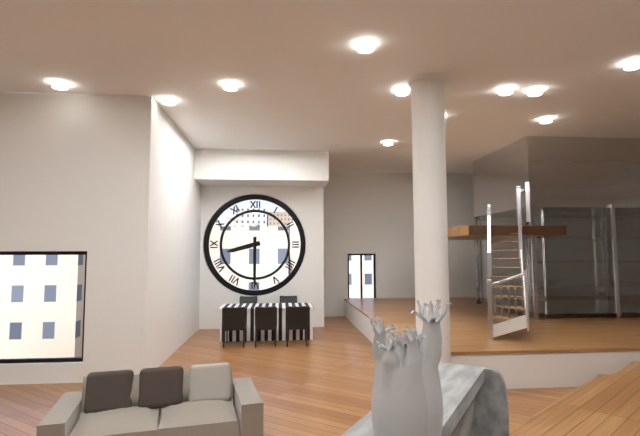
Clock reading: 8.30
